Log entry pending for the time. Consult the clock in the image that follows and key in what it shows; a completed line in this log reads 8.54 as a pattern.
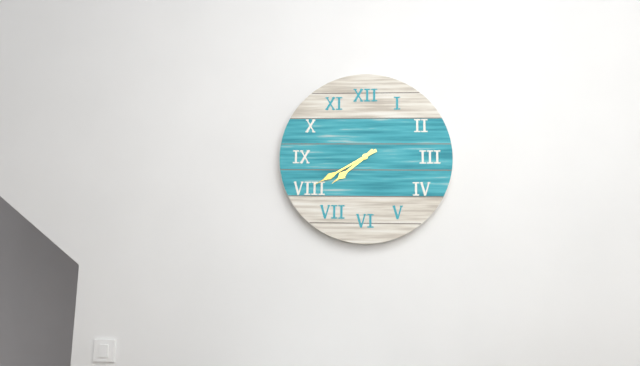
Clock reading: 7.40
